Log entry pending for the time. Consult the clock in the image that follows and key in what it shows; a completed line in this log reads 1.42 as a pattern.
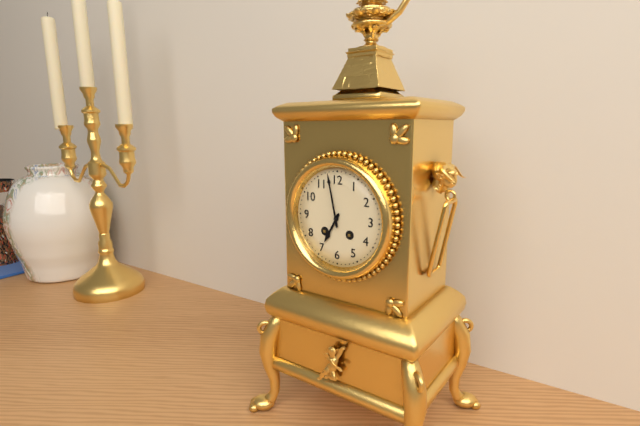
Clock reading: 6.58
